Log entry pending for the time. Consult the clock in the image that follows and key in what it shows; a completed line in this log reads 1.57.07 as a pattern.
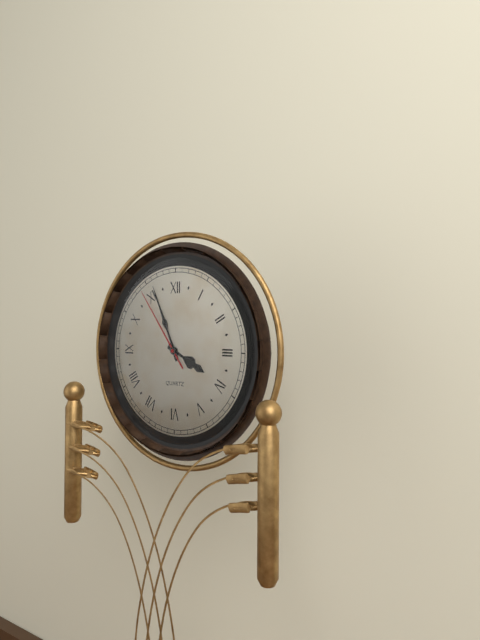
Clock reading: 3.56.54
